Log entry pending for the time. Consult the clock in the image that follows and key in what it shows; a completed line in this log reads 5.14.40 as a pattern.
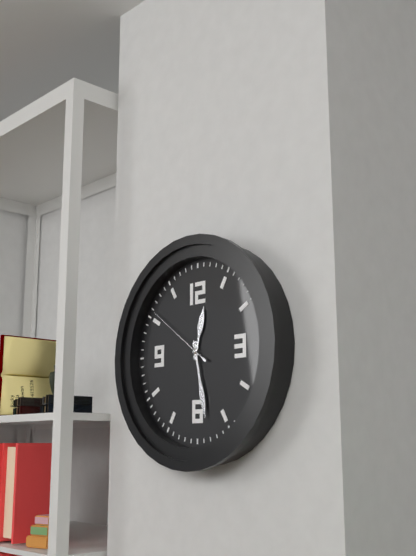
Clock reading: 12.28.51
